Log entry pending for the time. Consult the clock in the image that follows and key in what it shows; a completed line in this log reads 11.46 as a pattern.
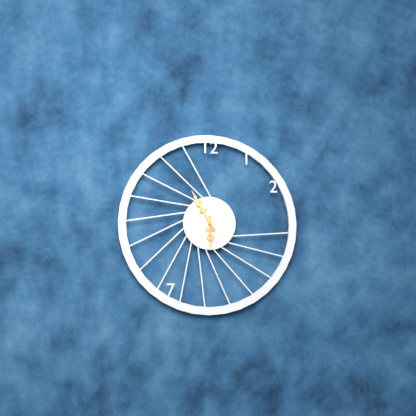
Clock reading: 5.55
